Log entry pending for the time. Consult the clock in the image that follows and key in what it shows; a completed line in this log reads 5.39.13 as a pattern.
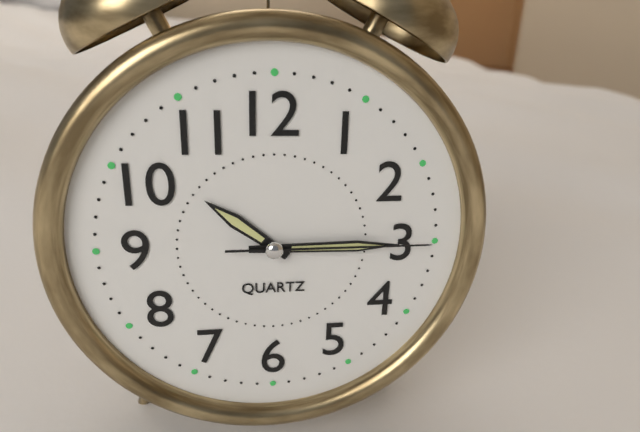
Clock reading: 10.15.15
